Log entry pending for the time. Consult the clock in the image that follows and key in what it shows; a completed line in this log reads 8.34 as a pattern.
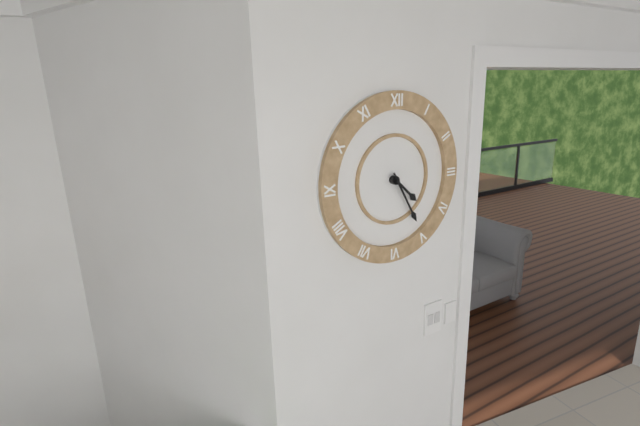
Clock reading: 4.25
